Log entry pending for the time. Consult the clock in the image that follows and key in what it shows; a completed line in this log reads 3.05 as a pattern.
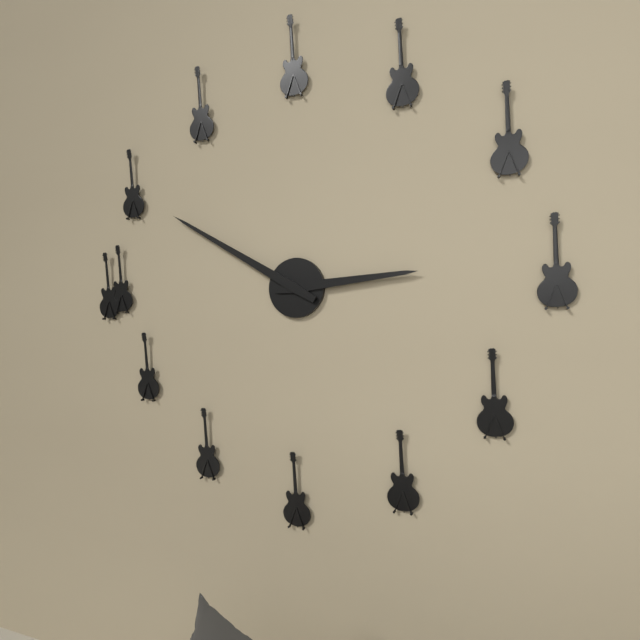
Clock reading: 2.50
